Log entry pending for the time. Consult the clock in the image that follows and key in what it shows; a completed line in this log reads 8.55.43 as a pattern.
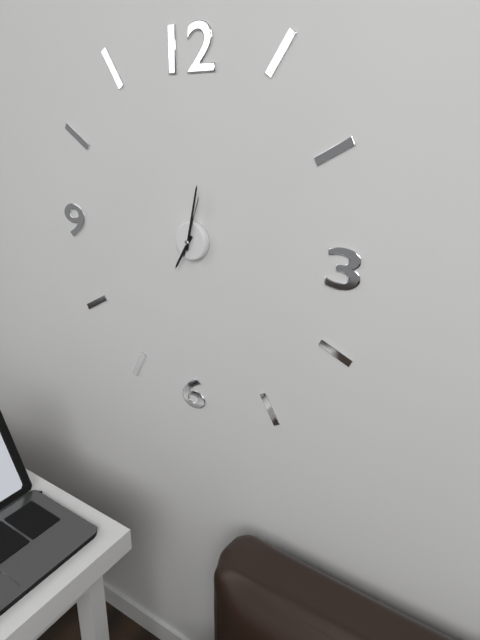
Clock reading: 7.02.03
